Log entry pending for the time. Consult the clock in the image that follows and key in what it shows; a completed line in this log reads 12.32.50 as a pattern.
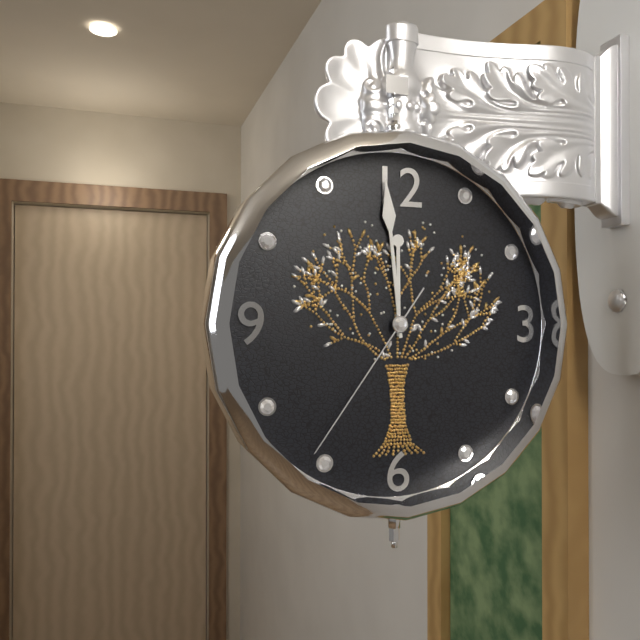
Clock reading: 11.59.36
